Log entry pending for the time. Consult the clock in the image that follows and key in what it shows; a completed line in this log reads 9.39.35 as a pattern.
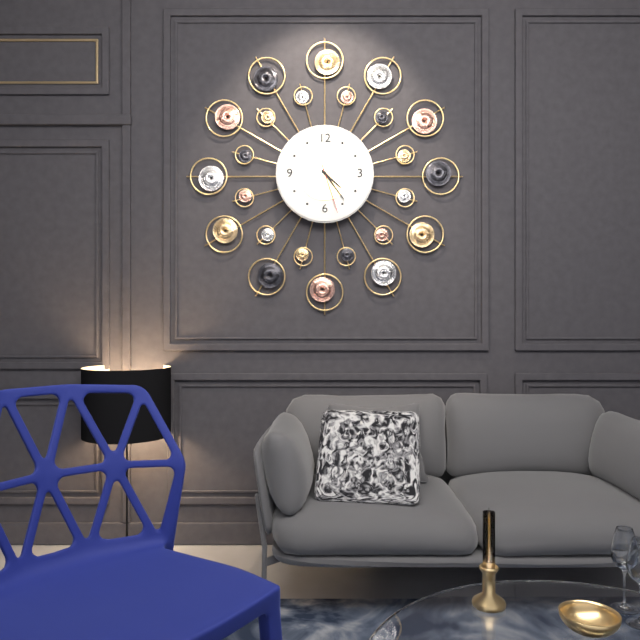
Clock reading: 4.24.27
